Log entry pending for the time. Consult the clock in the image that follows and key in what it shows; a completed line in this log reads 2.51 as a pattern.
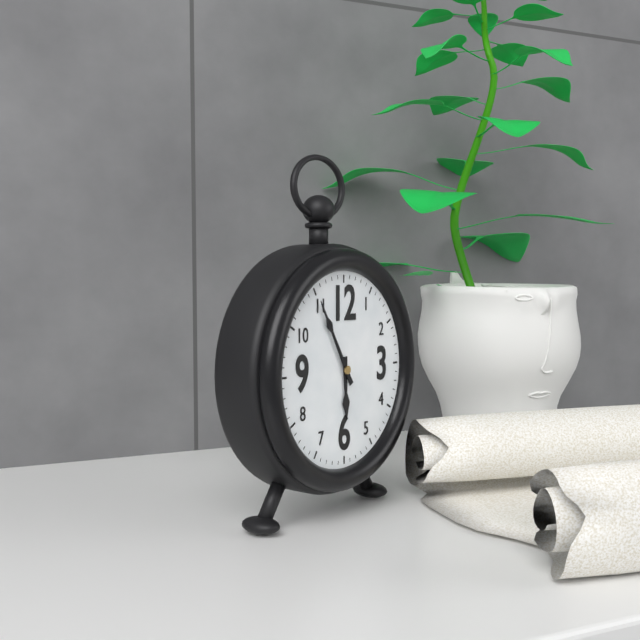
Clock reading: 5.55
